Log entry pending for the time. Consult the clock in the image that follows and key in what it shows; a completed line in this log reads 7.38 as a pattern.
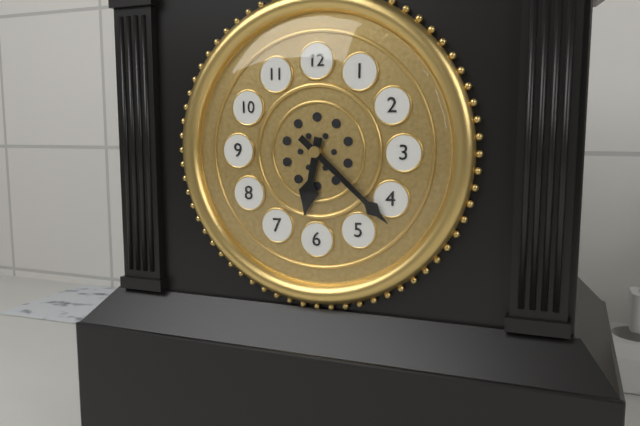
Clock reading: 6.22
